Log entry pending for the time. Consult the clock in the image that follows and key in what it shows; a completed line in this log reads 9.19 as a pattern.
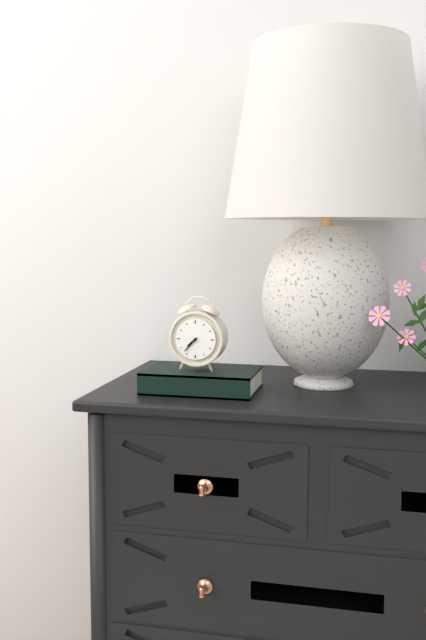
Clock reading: 7.37
